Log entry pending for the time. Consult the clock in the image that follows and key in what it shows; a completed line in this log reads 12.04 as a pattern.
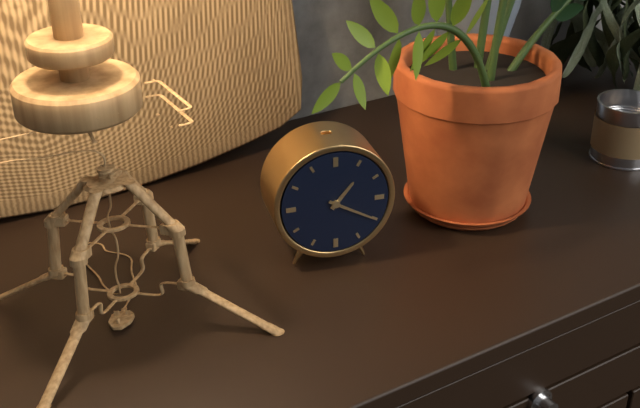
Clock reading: 1.20
